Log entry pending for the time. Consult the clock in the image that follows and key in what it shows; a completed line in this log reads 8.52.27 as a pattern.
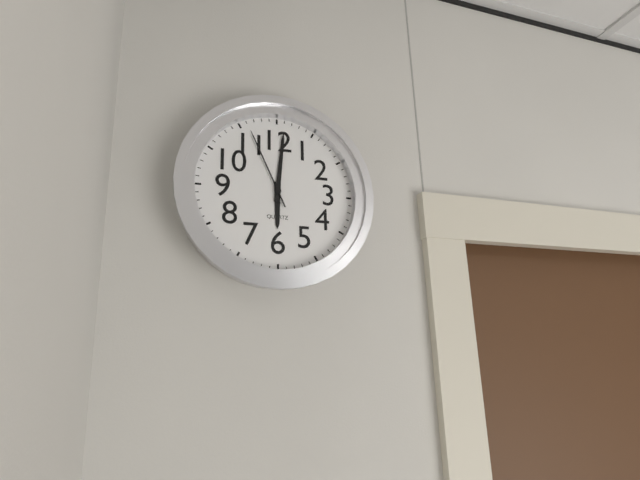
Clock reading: 6.01.56
